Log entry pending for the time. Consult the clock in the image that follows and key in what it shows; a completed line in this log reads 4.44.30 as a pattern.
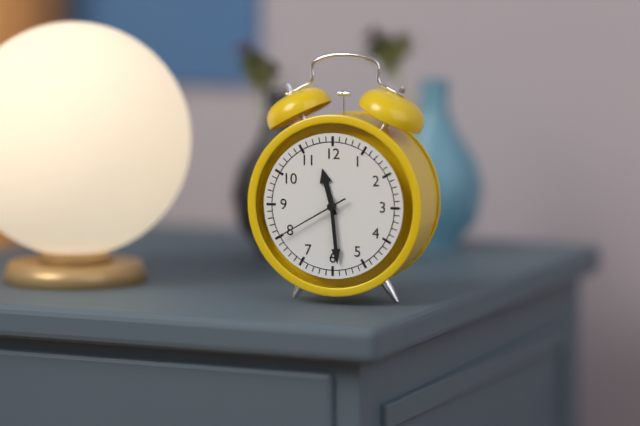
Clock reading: 11.29.40
